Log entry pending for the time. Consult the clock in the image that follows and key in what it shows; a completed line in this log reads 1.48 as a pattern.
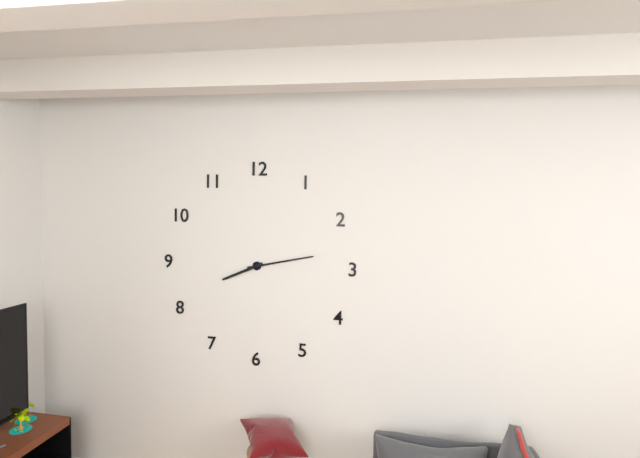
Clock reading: 8.13
